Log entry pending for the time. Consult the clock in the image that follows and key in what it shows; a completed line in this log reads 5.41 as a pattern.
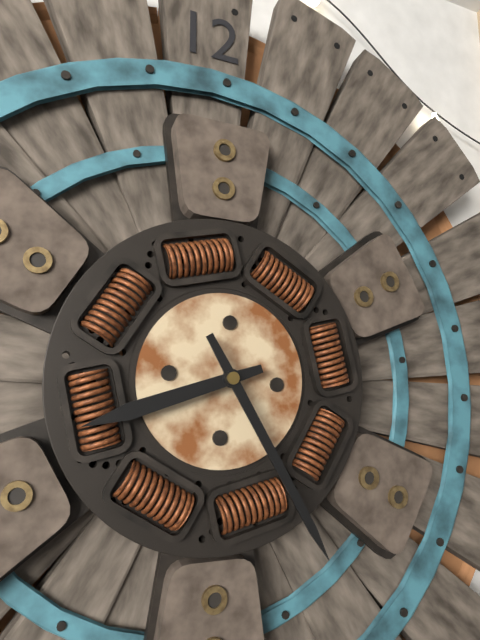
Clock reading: 8.25
